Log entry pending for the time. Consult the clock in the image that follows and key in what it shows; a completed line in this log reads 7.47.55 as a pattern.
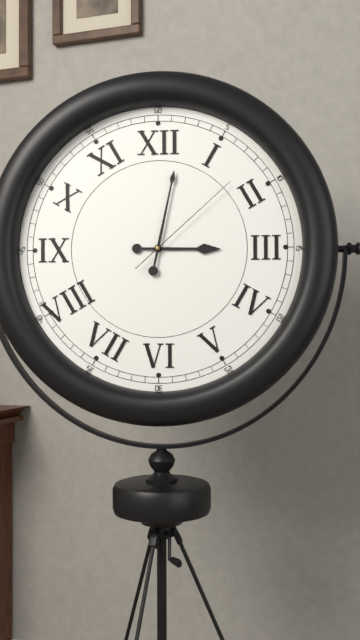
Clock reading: 3.02.08
